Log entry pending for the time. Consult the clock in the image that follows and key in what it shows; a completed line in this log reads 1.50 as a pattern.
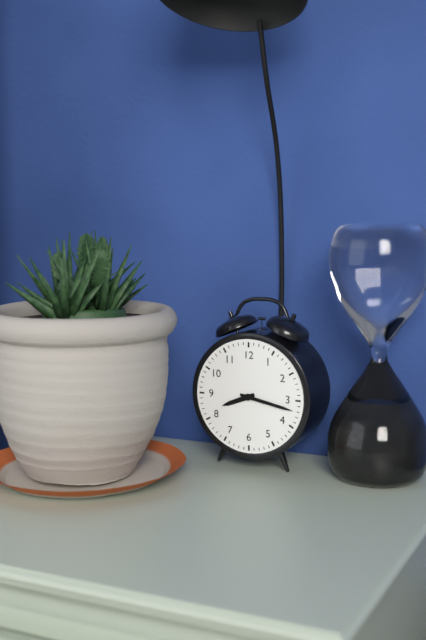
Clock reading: 8.17
